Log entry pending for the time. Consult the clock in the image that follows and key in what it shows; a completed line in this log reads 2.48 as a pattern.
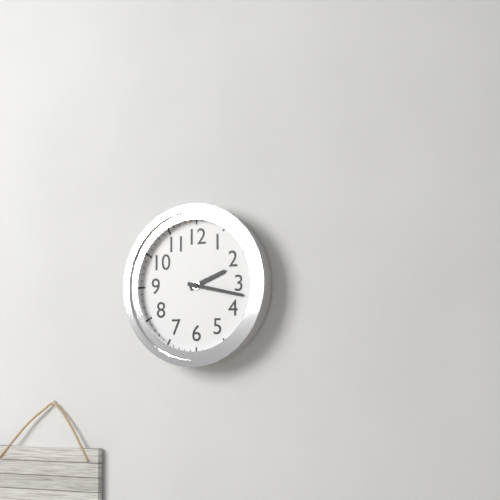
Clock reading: 2.17
